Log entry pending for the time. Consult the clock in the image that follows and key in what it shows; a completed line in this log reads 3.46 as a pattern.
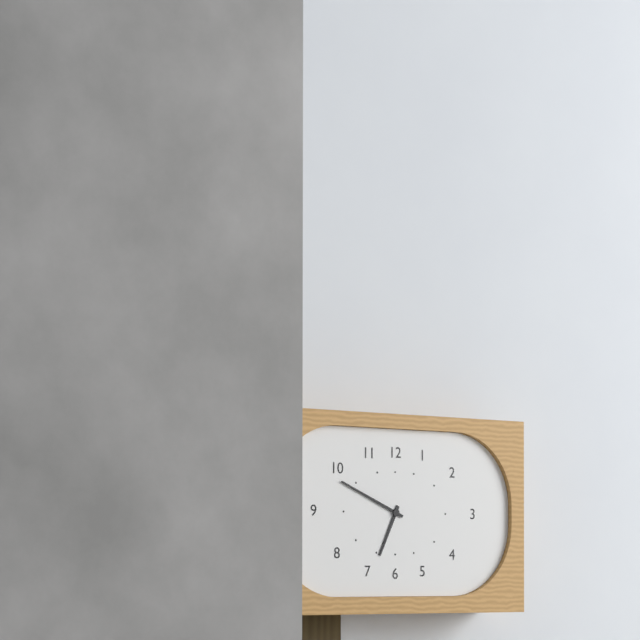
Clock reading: 6.49
